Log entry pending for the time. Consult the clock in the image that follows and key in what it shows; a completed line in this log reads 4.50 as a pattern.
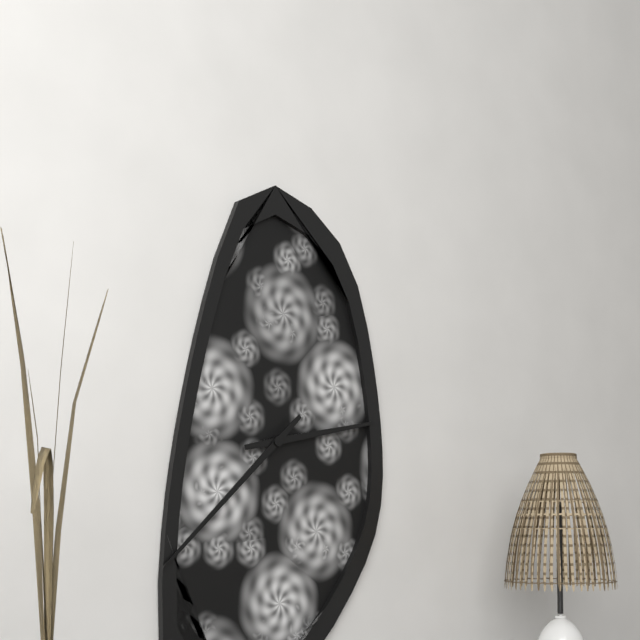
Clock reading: 2.38
